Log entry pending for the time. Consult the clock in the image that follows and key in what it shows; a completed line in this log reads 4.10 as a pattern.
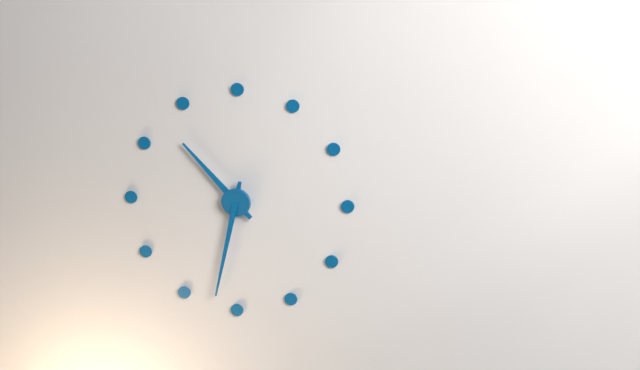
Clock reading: 10.32
